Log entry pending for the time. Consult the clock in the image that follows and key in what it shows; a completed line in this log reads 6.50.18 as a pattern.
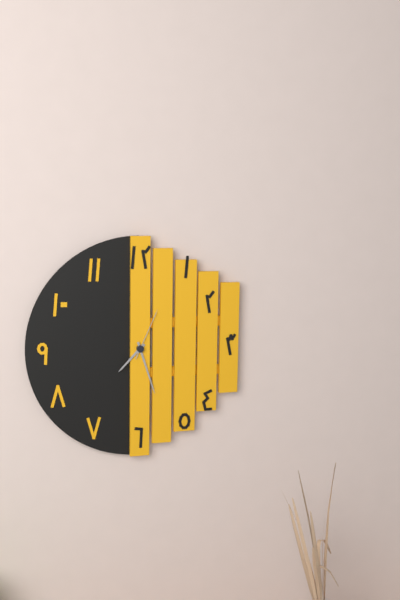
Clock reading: 7.27.04
